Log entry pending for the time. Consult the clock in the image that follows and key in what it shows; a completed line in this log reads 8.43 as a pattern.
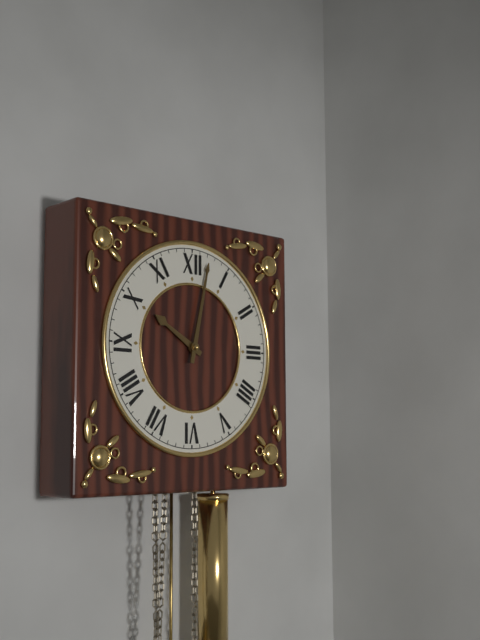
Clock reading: 10.02
